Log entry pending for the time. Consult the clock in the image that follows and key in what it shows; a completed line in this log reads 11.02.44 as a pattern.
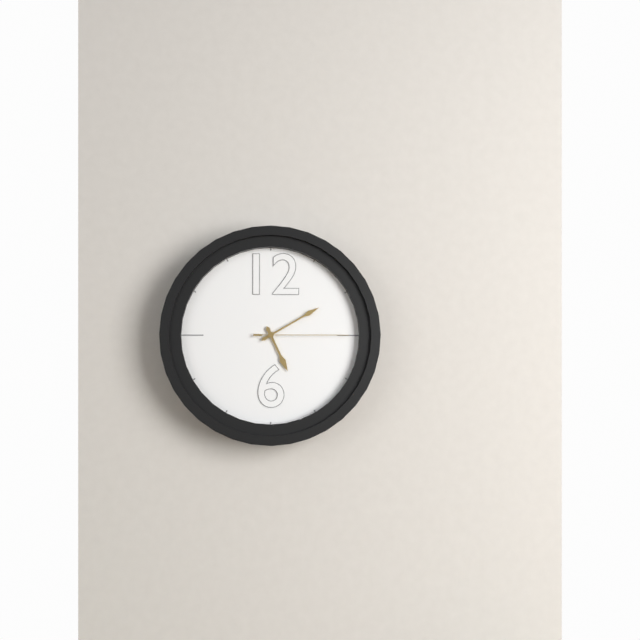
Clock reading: 5.10.15
